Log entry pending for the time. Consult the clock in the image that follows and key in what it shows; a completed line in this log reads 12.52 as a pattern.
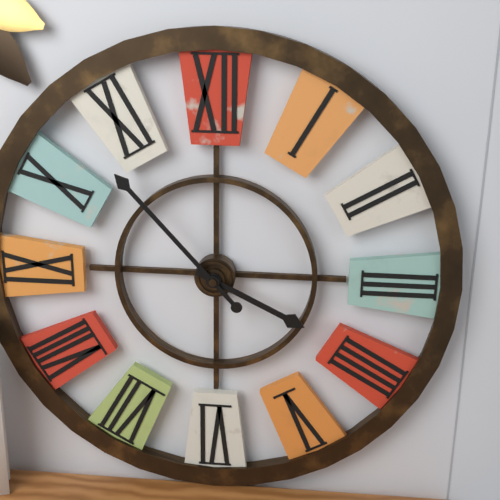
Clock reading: 3.53
